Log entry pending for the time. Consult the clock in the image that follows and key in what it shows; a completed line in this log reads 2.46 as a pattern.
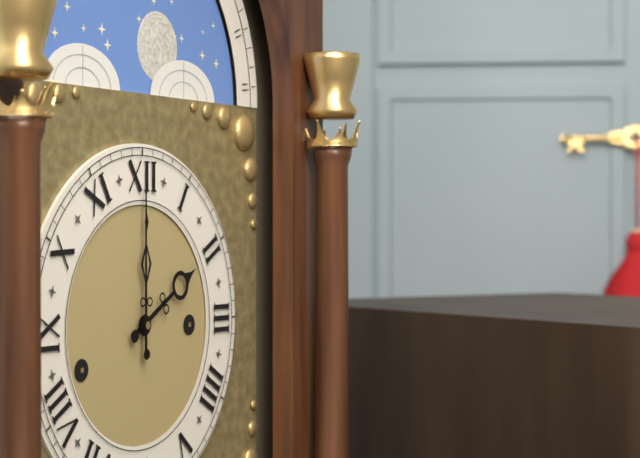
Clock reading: 2.00
